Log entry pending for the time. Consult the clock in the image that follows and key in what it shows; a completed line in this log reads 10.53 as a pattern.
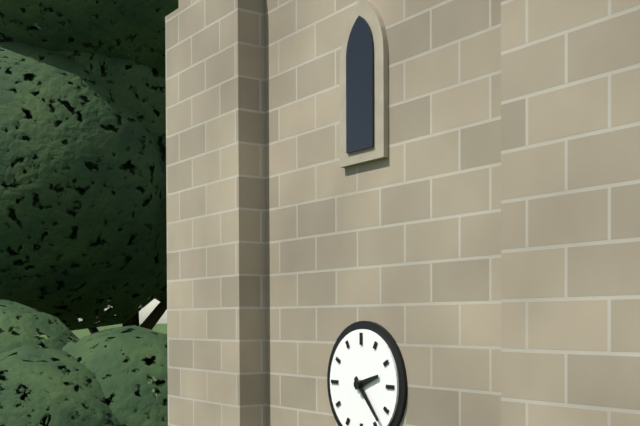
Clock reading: 2.23
